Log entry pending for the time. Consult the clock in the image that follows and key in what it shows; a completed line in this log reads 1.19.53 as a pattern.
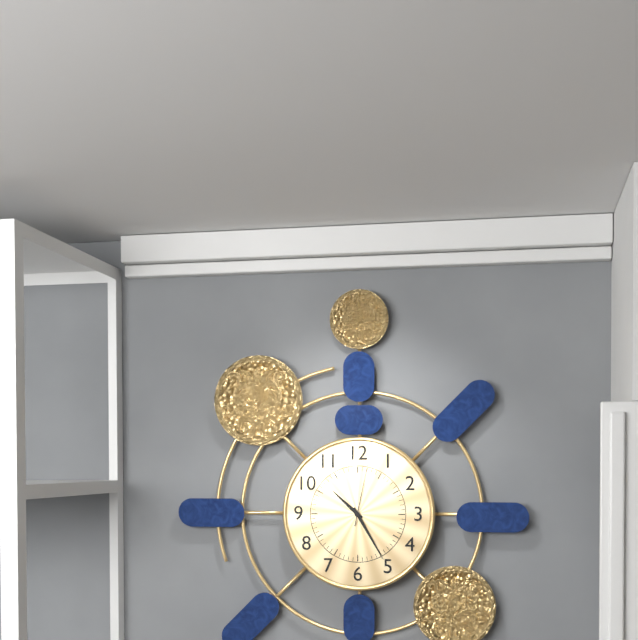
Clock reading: 10.25.02
